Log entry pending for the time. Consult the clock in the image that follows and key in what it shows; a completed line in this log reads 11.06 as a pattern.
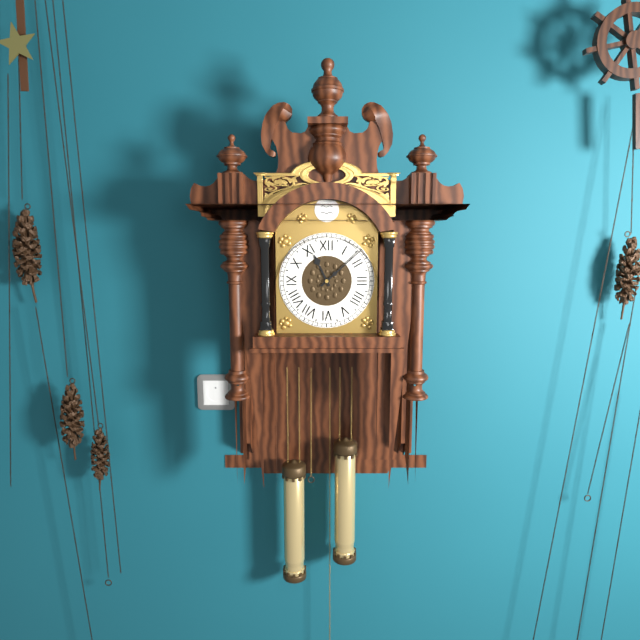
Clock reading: 11.08
